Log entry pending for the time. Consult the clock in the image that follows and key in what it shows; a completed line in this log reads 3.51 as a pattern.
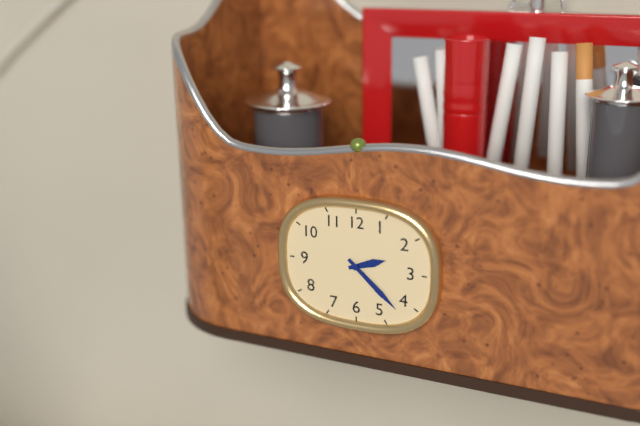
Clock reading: 2.22
